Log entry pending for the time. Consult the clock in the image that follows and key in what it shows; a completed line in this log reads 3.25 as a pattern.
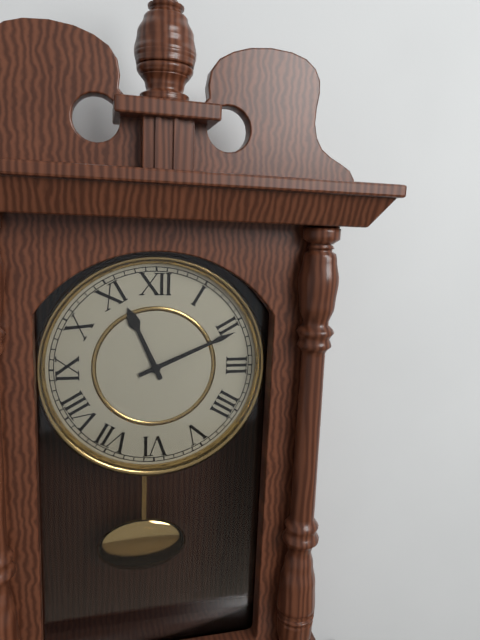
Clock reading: 11.11
